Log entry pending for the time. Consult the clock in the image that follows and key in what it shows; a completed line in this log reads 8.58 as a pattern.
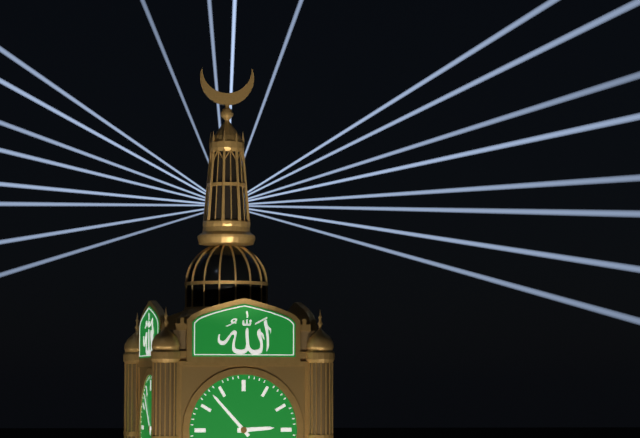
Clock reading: 2.53
